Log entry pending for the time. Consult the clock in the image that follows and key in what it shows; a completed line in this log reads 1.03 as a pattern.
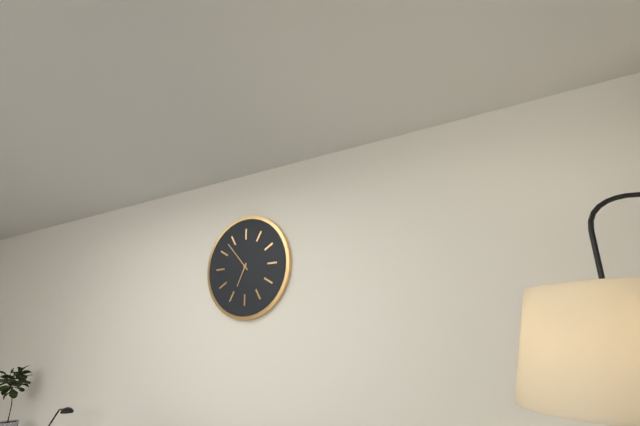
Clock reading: 6.53
